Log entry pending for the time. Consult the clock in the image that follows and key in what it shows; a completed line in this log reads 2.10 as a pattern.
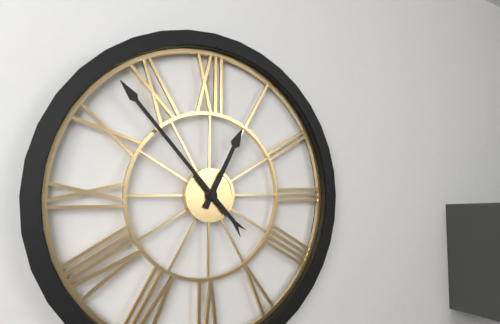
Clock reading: 12.53
